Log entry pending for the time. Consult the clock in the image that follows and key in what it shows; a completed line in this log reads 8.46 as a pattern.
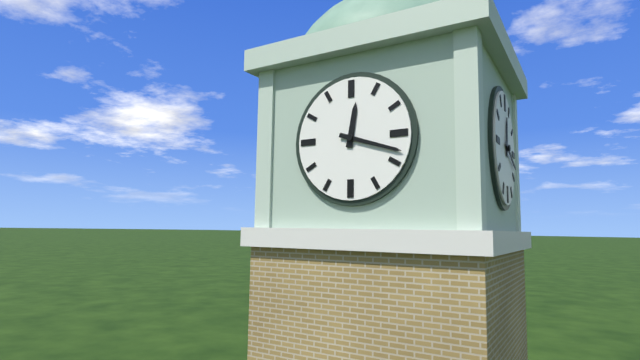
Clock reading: 12.18
